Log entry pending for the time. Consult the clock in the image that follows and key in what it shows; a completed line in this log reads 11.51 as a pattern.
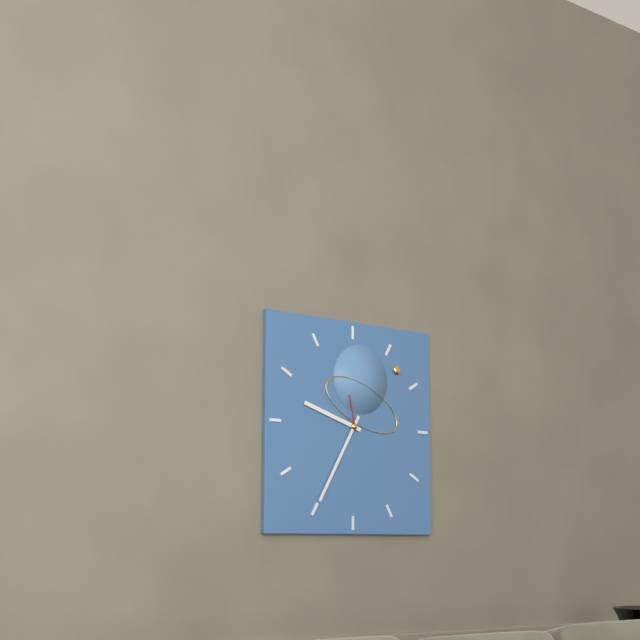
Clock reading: 9.35
